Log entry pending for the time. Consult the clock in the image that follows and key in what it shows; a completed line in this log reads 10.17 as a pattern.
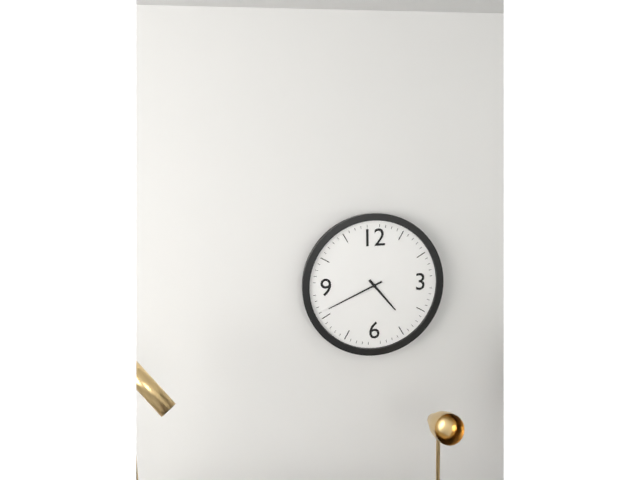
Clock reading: 4.41
